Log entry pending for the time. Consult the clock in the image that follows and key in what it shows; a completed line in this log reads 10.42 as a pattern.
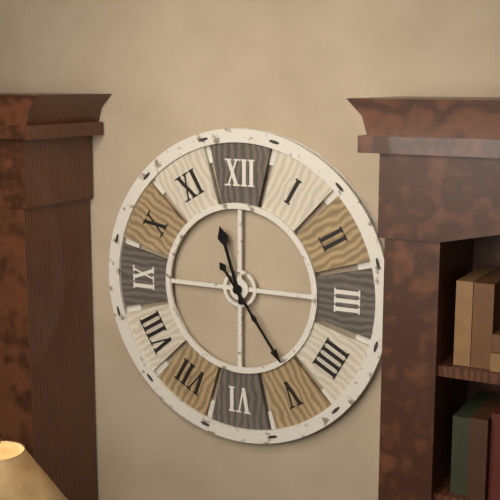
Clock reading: 11.24
